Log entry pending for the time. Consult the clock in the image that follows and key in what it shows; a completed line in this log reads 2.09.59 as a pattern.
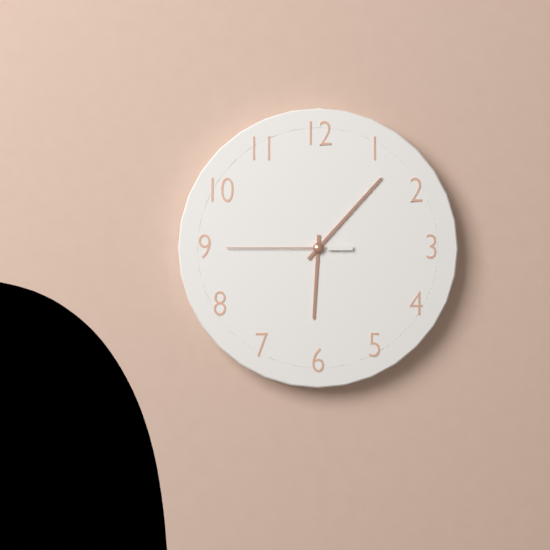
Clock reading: 6.07.45
